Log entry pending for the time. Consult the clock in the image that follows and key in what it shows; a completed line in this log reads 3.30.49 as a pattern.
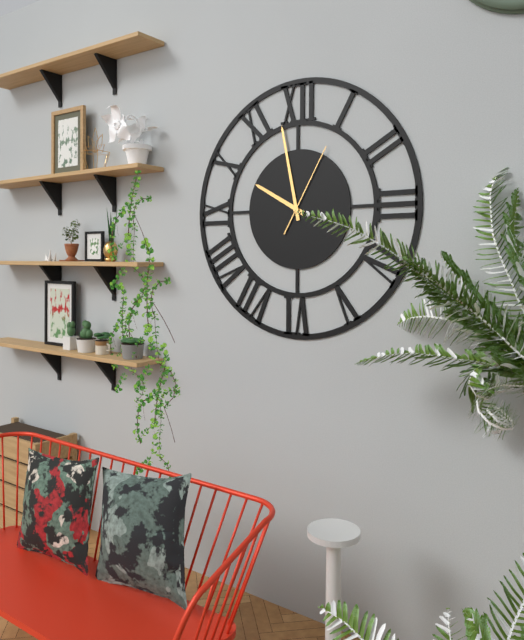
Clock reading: 9.58.05
